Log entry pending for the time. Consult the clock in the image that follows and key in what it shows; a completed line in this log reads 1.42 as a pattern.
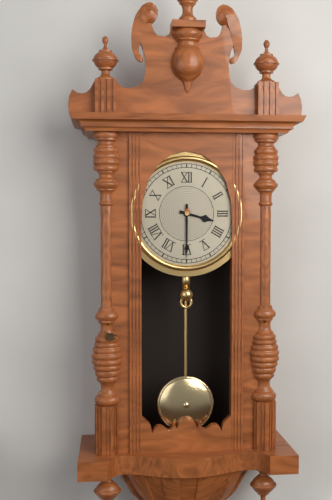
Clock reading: 3.30
